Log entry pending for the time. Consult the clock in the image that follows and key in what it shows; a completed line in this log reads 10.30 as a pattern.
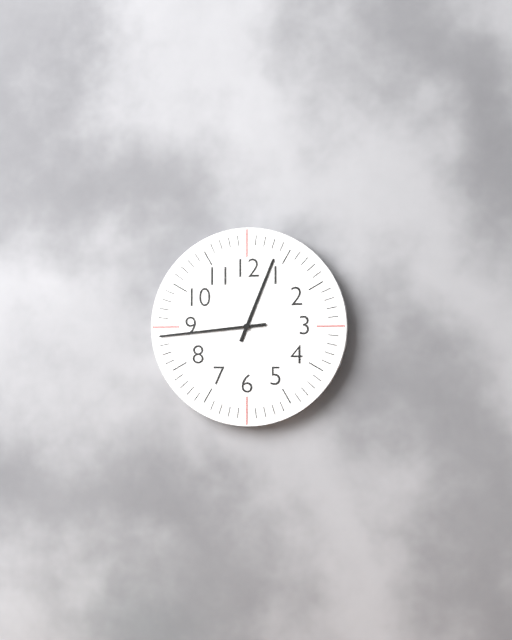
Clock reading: 12.44
